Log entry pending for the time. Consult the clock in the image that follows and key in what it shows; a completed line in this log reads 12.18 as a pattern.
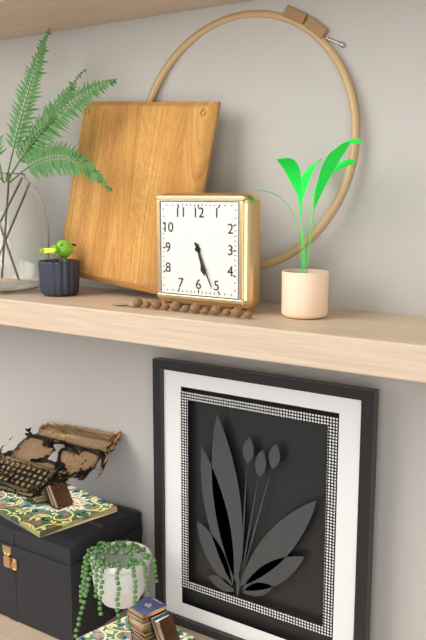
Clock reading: 5.26
